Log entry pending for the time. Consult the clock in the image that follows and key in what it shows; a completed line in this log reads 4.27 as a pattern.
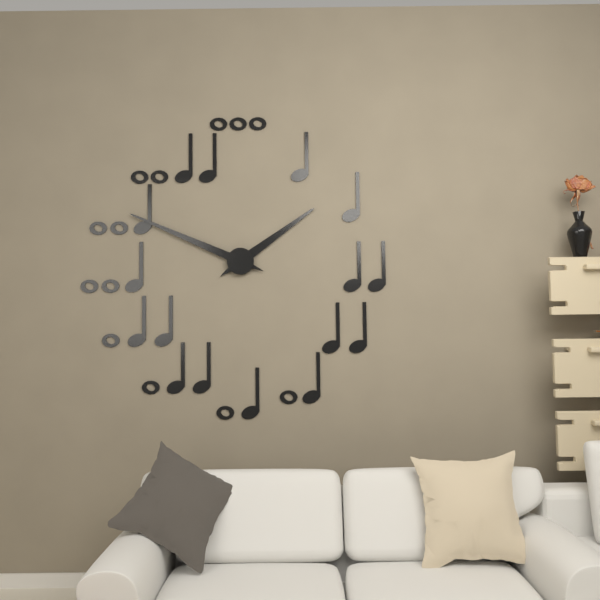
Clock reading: 1.49
